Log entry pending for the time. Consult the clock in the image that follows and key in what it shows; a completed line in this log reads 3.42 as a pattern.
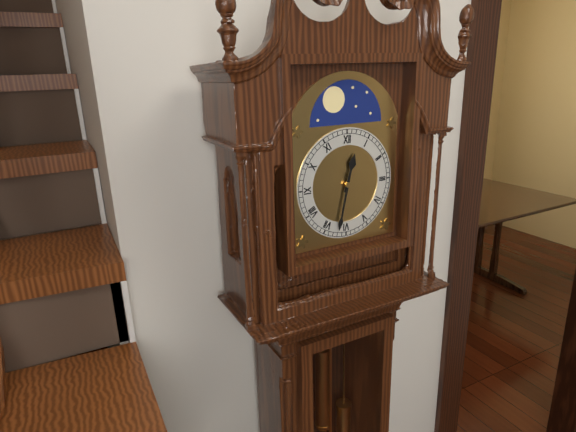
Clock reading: 12.32
